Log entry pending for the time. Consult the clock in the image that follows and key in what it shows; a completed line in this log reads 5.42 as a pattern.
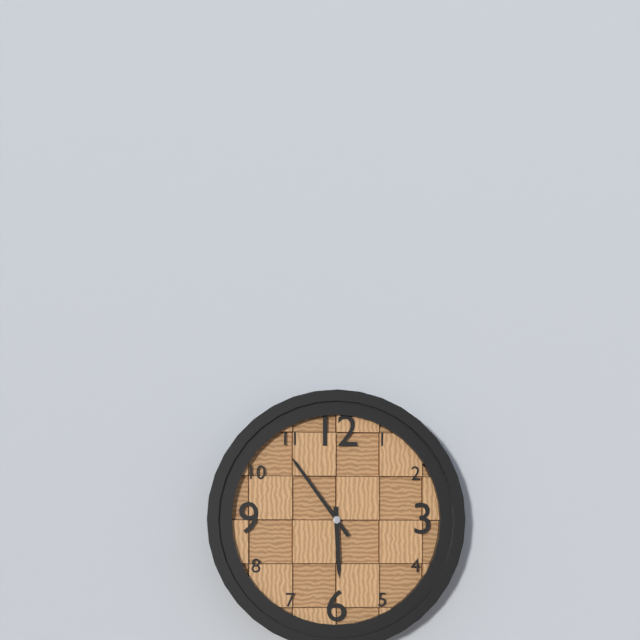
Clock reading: 5.54
